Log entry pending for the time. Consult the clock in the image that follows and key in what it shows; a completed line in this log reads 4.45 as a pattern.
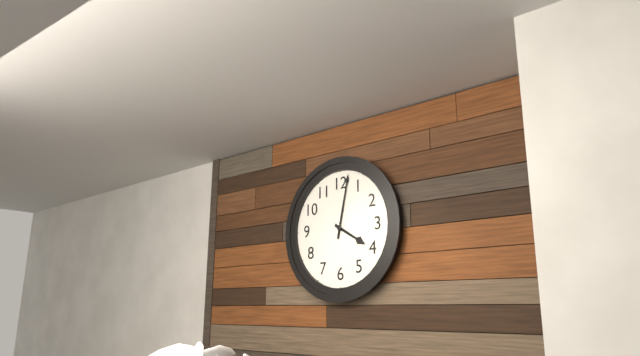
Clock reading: 4.02
